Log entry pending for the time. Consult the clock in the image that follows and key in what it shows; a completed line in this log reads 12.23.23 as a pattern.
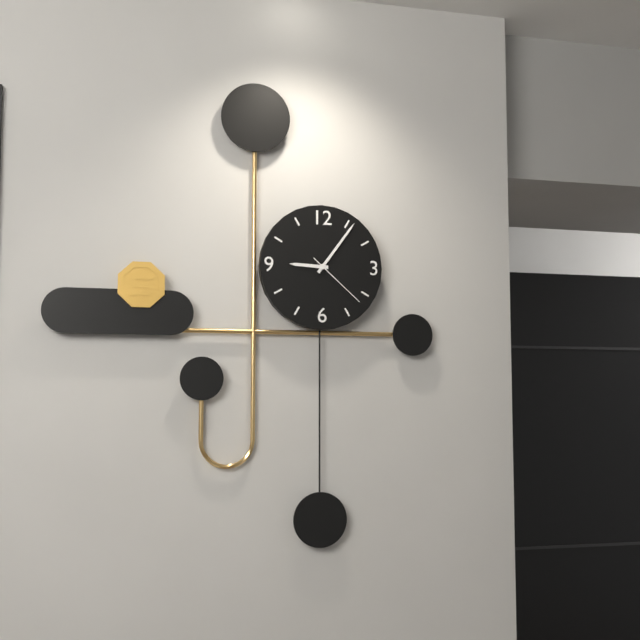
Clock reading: 9.06.22
